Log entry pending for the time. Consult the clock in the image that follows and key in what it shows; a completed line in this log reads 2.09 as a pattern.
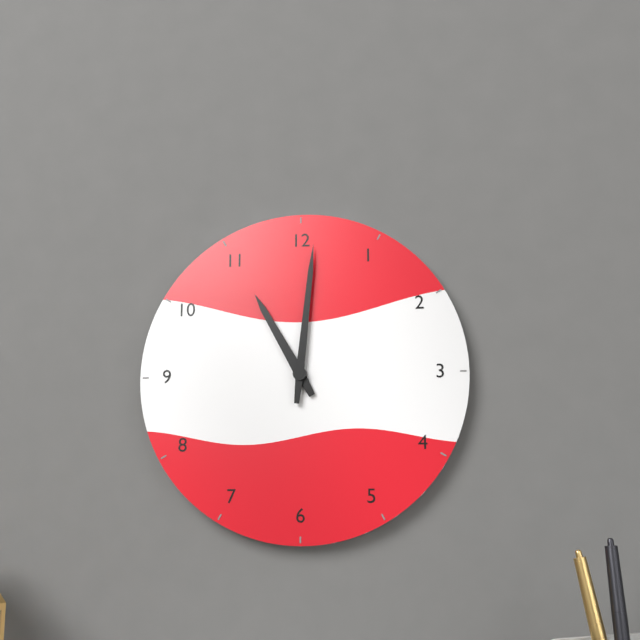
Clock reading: 11.01
